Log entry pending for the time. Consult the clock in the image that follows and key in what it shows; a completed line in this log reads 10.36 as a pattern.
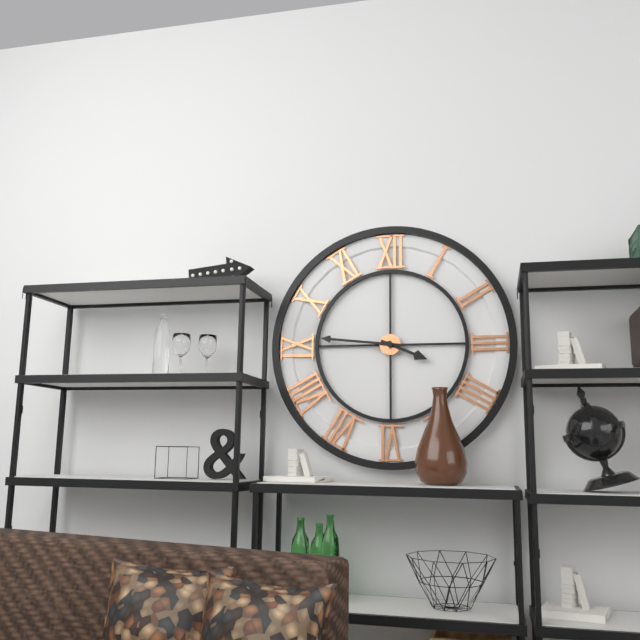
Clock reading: 3.46
